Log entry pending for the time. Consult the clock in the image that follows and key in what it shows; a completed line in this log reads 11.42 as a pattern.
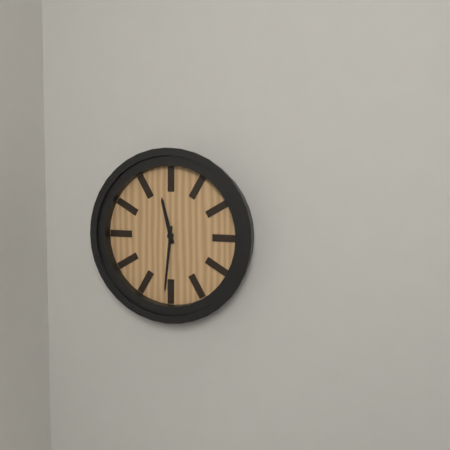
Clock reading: 11.31
